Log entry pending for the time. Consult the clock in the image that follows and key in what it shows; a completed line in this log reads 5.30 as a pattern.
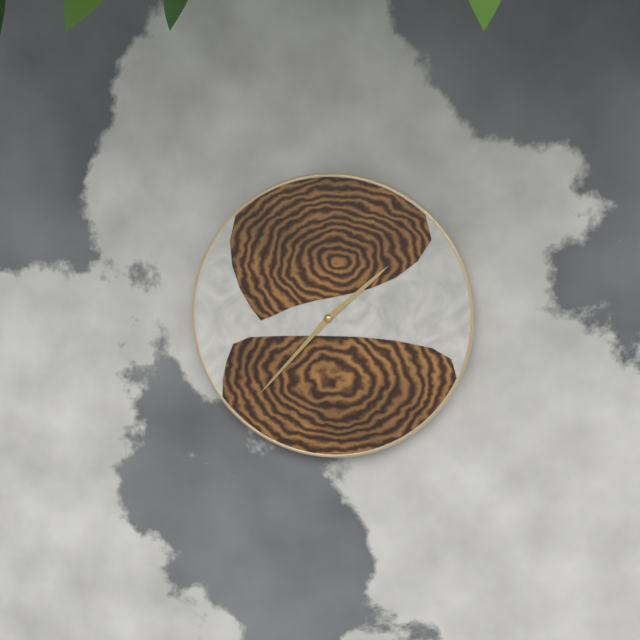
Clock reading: 1.37
